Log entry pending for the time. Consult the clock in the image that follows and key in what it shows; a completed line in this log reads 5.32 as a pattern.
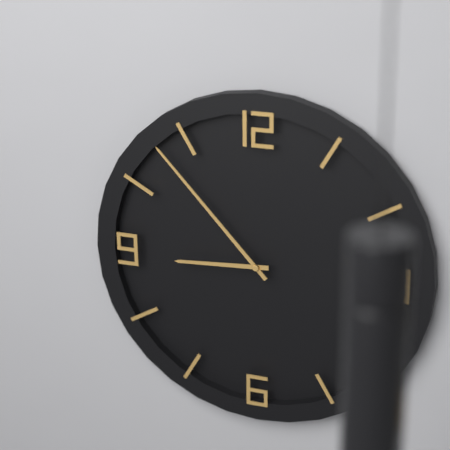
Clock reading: 8.53
